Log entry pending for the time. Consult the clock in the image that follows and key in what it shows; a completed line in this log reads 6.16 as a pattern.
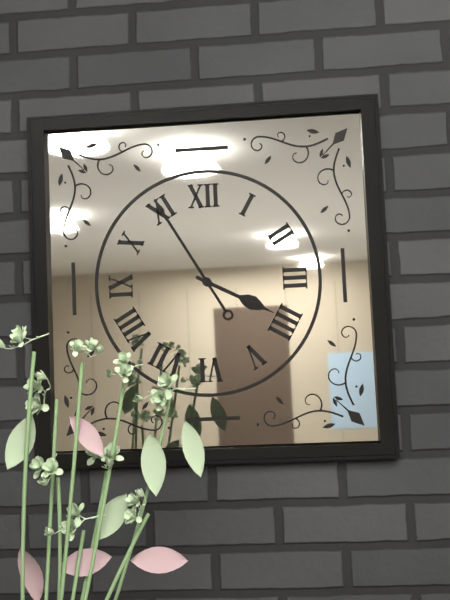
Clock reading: 3.55
